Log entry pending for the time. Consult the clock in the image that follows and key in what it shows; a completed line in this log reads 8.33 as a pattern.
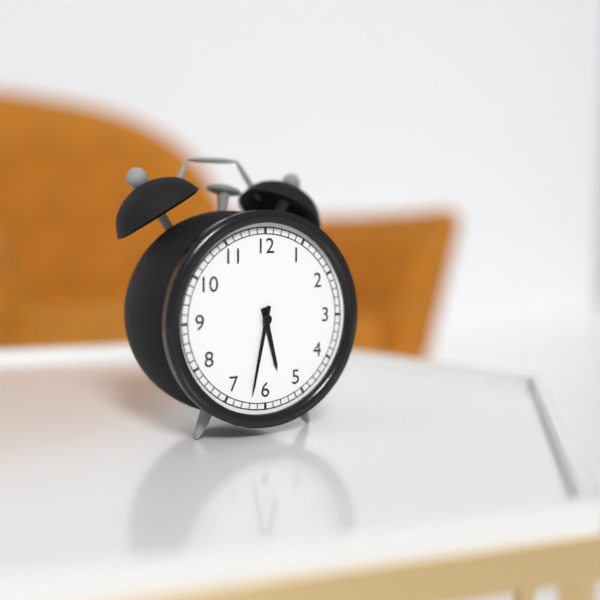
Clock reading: 5.32
